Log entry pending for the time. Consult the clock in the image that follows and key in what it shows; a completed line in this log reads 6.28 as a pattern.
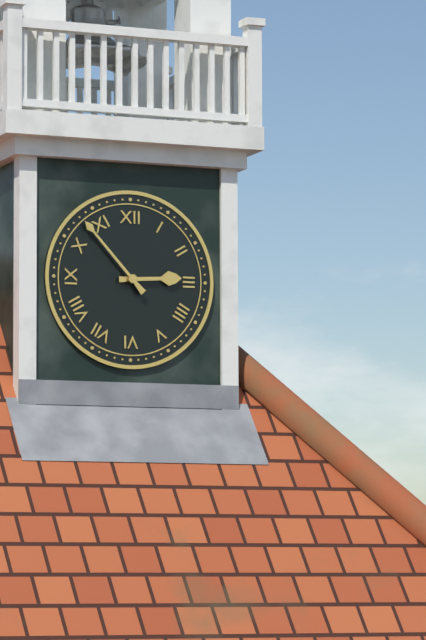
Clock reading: 2.53
